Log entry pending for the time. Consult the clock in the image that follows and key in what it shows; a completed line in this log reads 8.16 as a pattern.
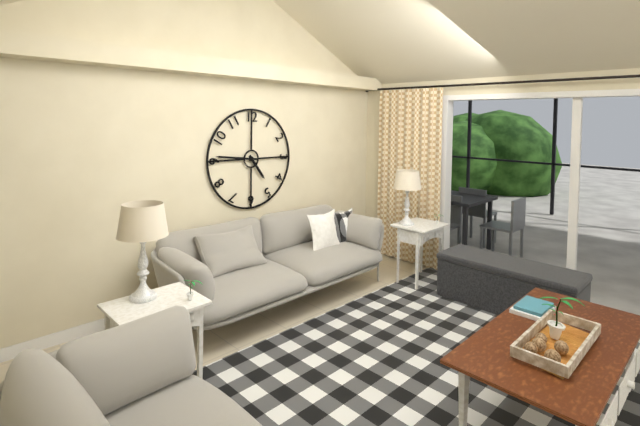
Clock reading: 4.46
